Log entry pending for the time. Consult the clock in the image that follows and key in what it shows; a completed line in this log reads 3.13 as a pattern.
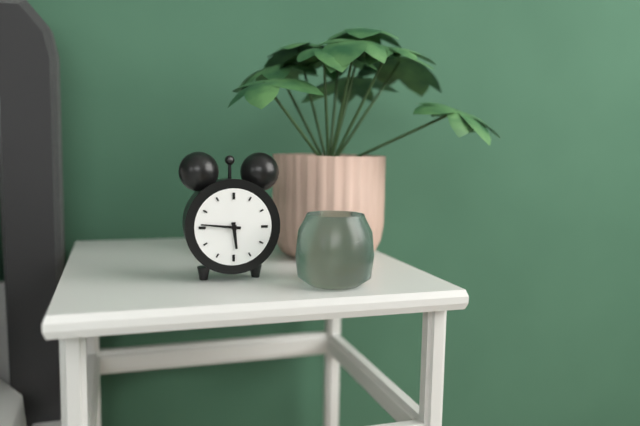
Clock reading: 5.46
